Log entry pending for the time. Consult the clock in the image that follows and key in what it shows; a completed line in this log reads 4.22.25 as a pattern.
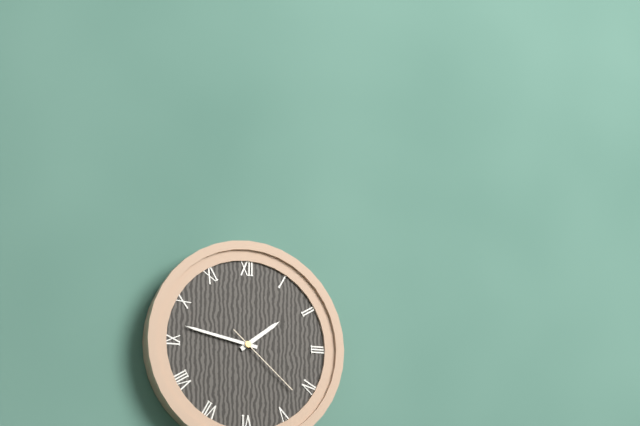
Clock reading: 1.47.22
